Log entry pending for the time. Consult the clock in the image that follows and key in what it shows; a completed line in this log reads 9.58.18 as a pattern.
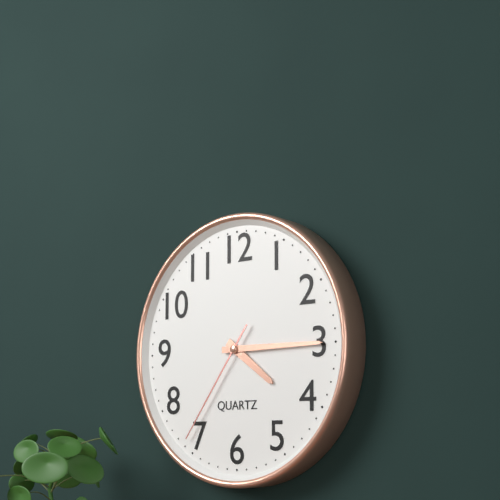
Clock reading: 4.15.36
